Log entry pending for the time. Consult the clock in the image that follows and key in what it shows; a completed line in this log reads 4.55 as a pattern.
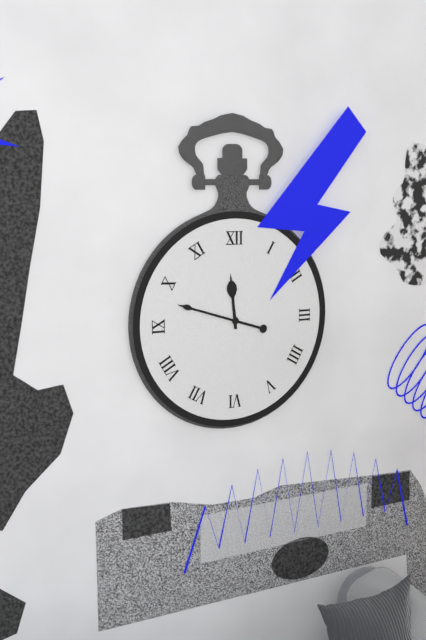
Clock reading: 11.48
